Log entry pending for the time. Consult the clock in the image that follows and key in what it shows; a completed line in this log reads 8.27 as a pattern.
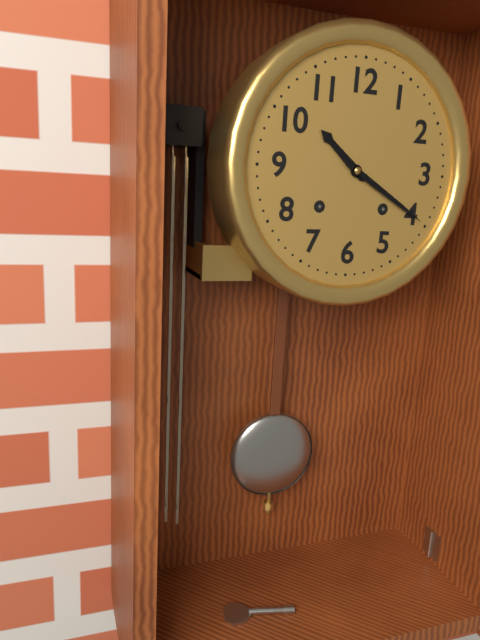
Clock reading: 10.20
